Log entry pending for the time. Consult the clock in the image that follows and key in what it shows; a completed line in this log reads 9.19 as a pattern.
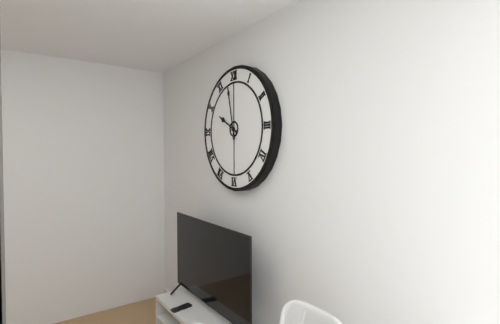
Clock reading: 9.58
